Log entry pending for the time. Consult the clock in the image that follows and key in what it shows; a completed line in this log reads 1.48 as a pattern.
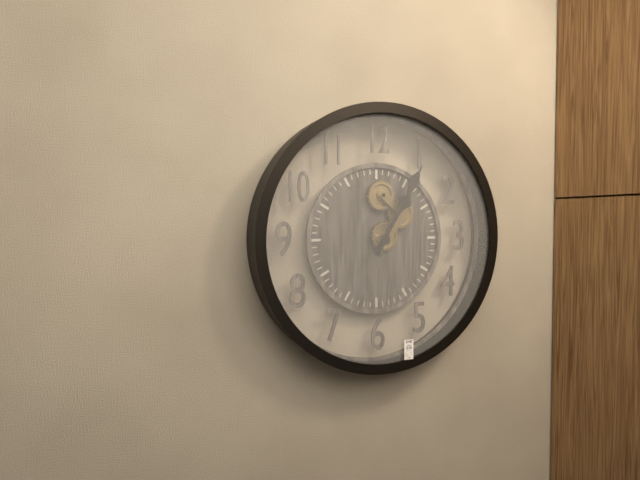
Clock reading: 1.05
